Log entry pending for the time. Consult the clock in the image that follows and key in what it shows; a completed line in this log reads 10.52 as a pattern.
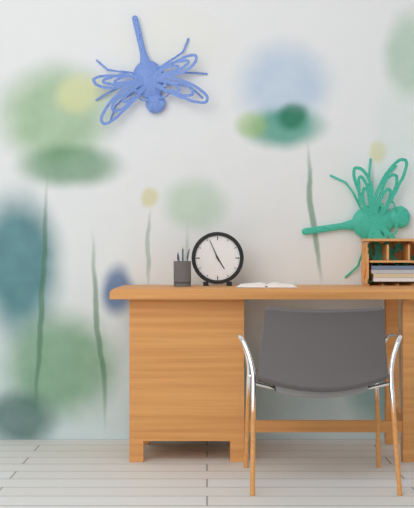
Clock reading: 4.56
